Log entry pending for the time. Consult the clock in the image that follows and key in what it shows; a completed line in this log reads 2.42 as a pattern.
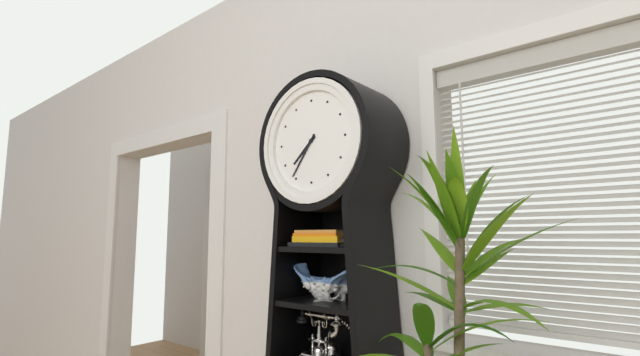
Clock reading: 7.36
